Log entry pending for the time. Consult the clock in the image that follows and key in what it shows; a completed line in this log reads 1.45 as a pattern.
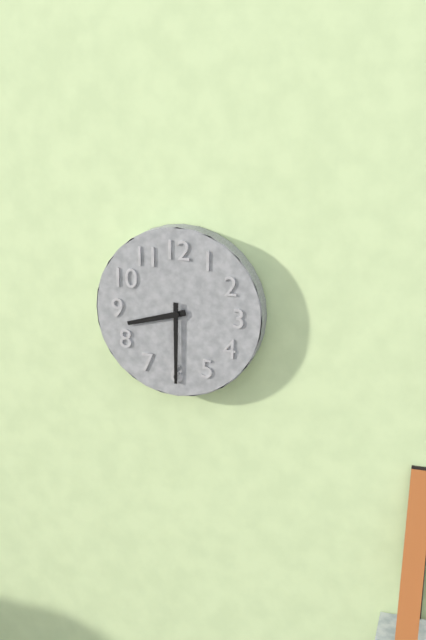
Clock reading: 8.30
